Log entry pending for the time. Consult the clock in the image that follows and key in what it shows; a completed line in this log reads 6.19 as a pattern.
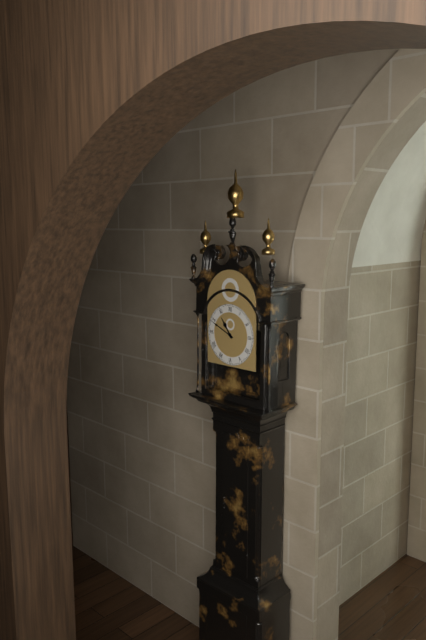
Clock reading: 10.49
